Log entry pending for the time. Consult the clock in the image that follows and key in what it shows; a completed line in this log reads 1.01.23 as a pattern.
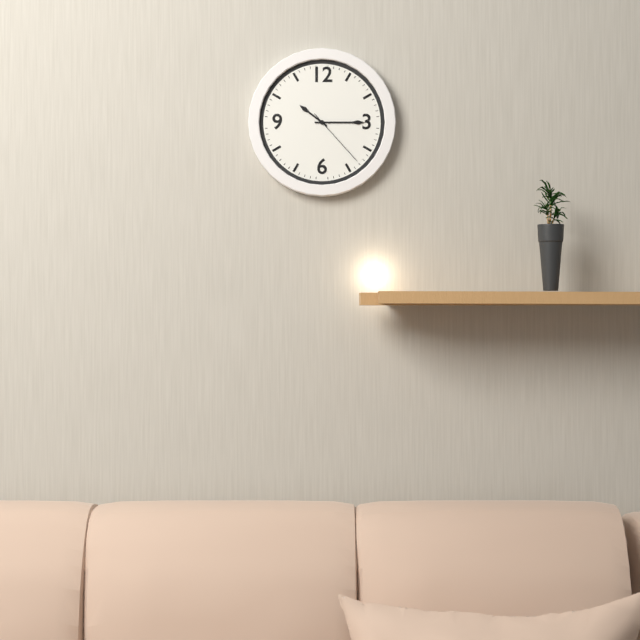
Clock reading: 10.15.23
